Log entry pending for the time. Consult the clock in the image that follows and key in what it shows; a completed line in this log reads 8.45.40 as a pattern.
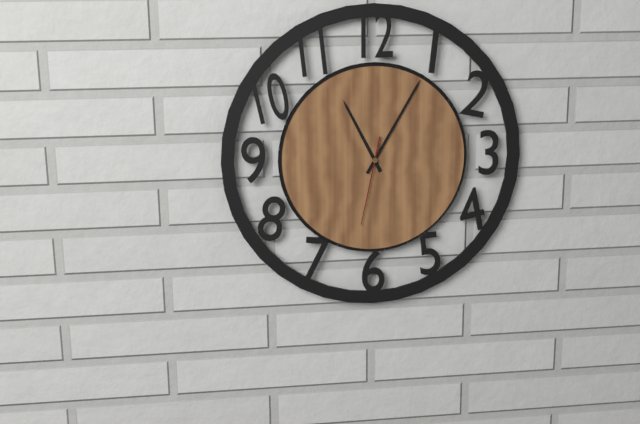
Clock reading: 11.05.32
